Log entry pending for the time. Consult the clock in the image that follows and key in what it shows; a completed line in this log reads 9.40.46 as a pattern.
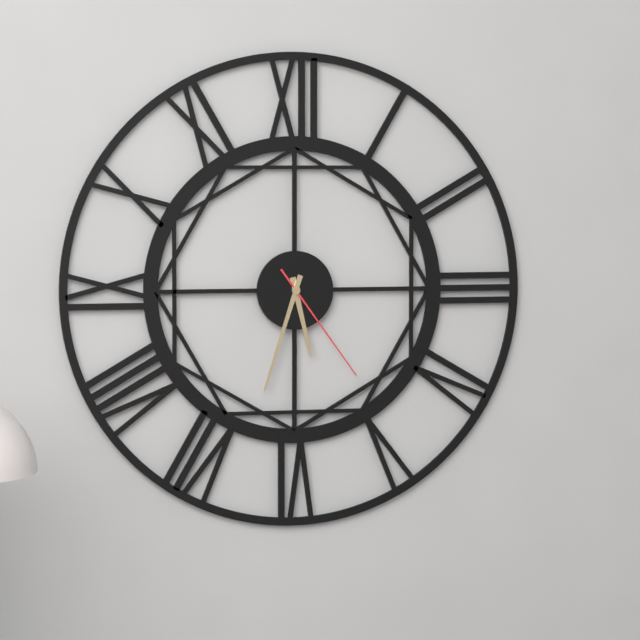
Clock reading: 5.33.24
